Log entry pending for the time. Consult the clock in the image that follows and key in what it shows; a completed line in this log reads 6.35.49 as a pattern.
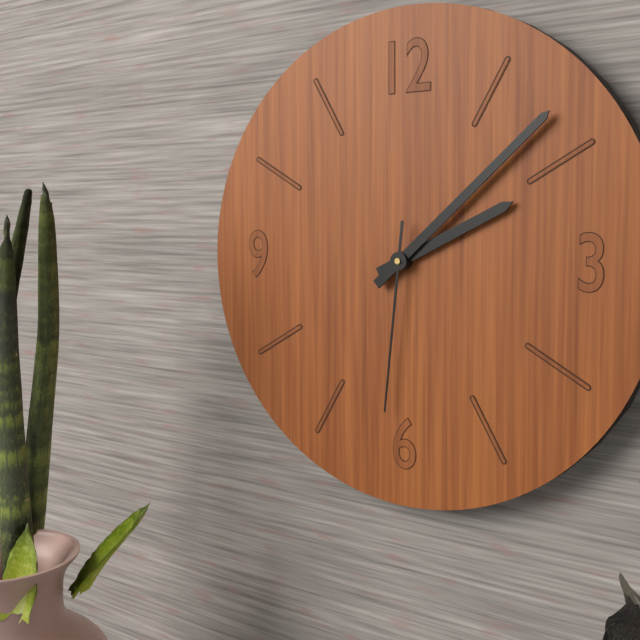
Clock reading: 2.08.31
